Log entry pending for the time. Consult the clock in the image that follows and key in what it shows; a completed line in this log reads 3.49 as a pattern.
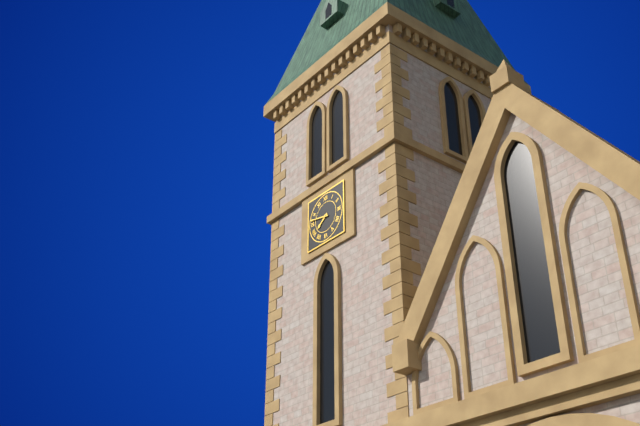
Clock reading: 7.47
